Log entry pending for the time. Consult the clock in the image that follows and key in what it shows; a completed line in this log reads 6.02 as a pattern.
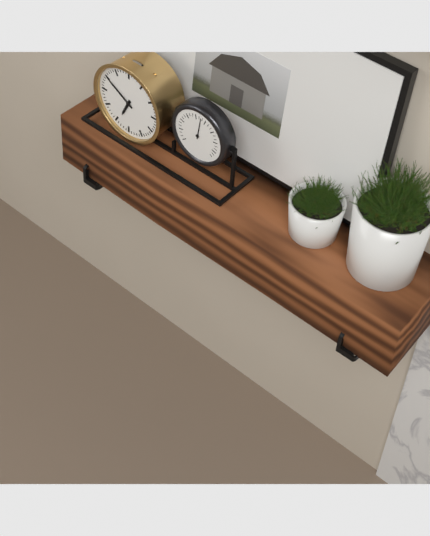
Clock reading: 6.50
